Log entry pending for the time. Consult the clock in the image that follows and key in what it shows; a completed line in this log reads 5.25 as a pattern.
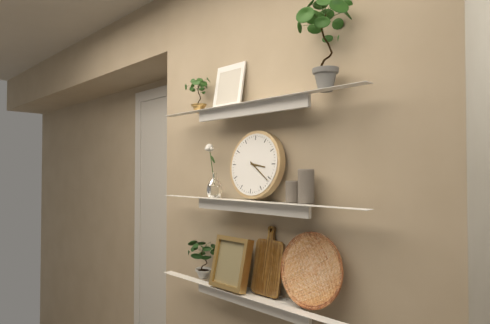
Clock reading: 3.21
